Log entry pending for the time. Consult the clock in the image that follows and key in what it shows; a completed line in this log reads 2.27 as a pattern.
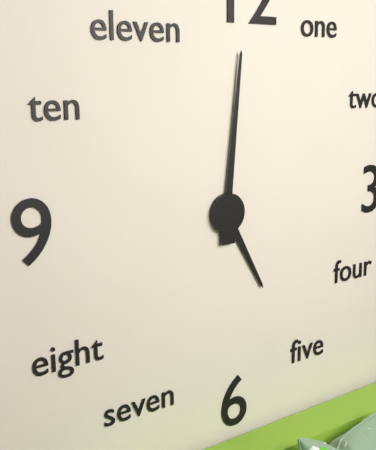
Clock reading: 5.01
